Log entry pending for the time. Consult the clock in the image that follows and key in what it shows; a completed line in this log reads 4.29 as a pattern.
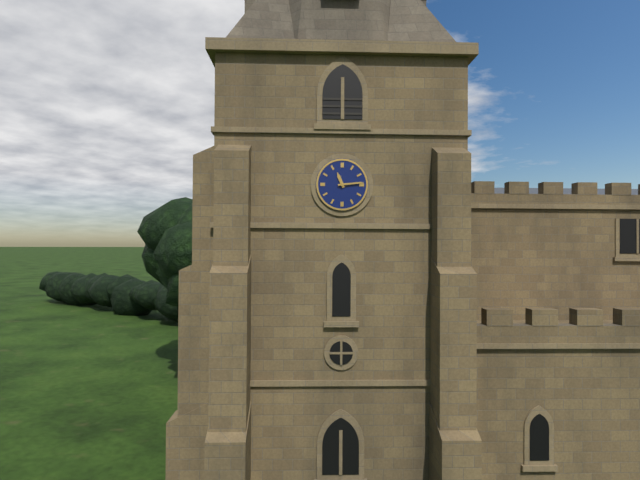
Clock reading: 11.14
